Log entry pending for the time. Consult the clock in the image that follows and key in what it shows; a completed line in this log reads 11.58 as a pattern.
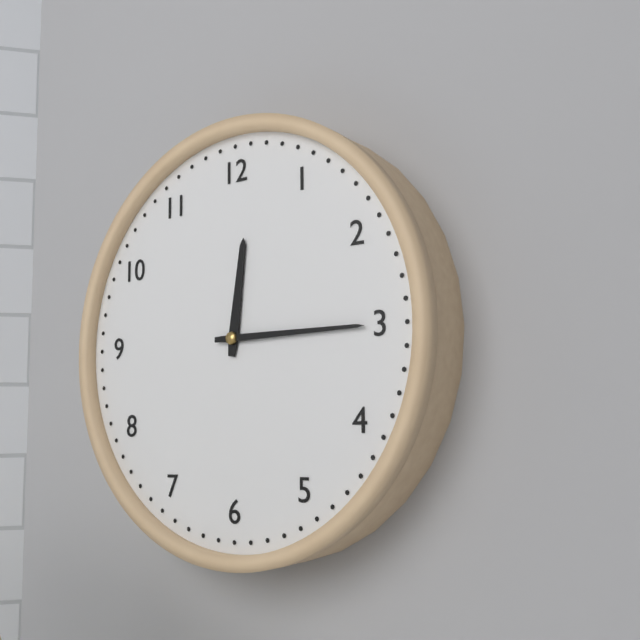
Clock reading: 12.15
